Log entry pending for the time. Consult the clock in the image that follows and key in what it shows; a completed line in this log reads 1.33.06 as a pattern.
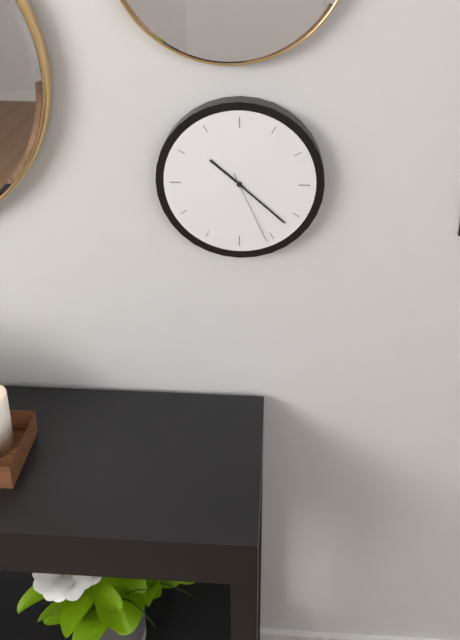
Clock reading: 10.22.26
